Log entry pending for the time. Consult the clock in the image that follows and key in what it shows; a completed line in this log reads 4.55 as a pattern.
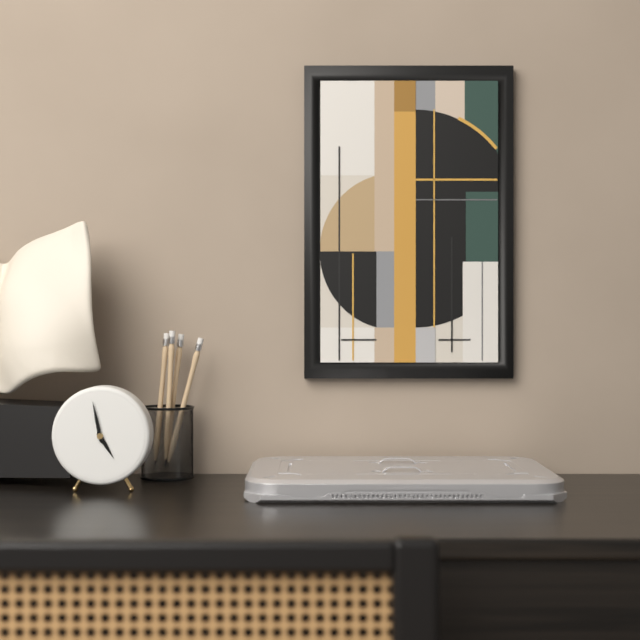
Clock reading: 4.58
